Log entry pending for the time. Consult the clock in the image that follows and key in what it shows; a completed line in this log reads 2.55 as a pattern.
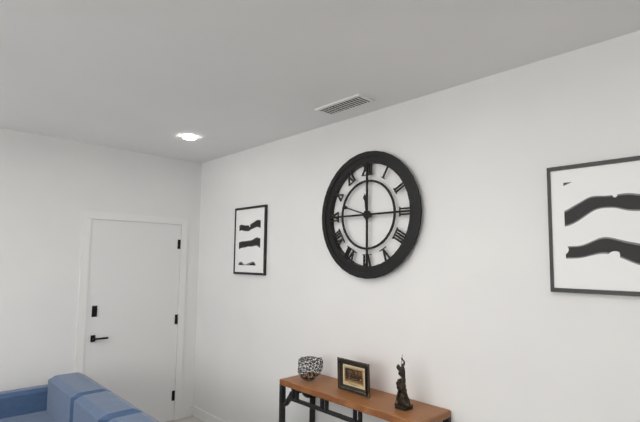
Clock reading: 11.48
